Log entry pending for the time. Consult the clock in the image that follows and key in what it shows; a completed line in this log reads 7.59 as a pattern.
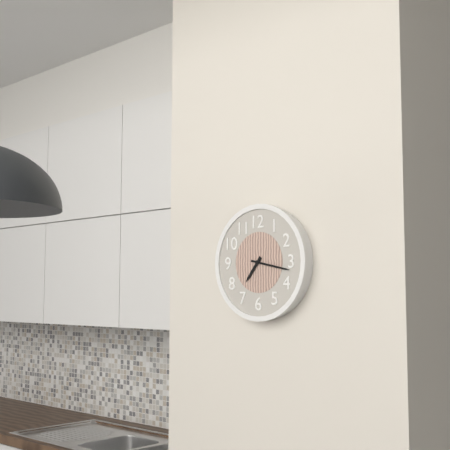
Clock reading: 7.17
